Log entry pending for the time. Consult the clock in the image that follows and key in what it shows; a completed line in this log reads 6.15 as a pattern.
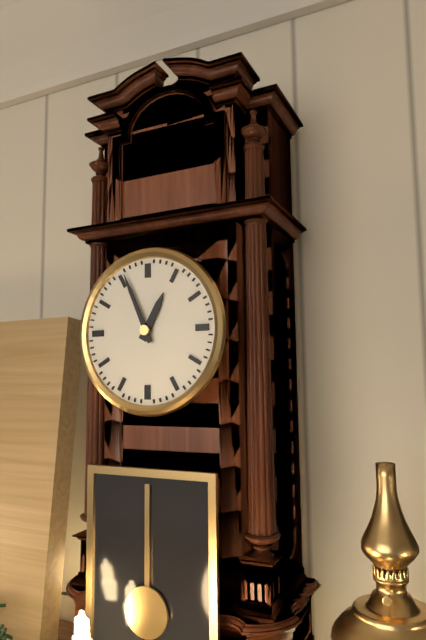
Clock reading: 12.56
